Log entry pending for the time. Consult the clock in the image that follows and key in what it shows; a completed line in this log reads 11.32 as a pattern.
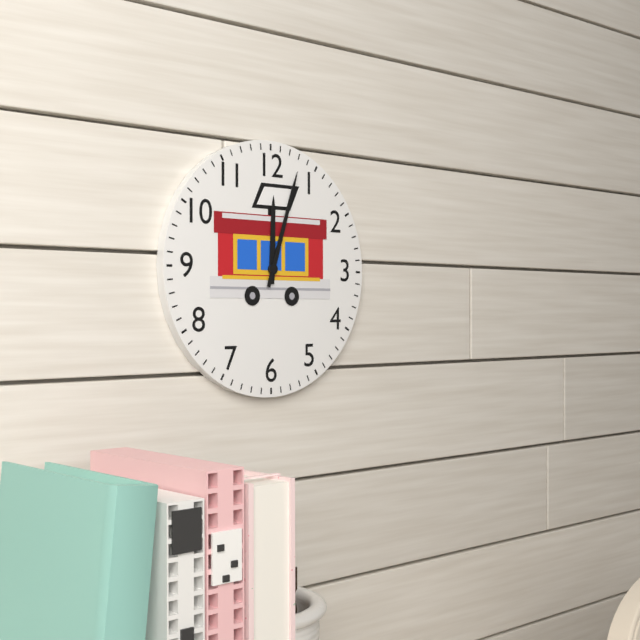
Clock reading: 12.03
